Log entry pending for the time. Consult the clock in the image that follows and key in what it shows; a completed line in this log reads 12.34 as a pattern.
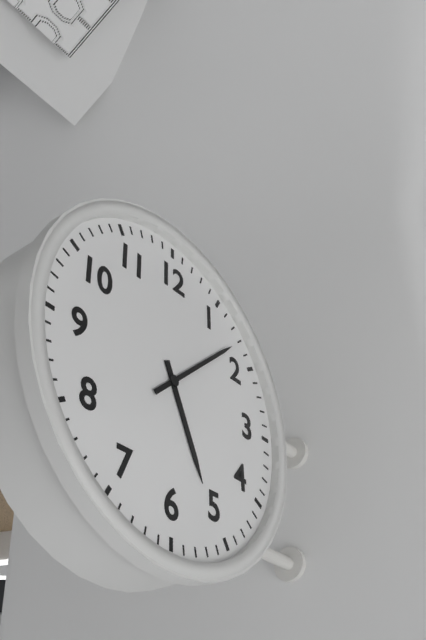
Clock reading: 5.08
